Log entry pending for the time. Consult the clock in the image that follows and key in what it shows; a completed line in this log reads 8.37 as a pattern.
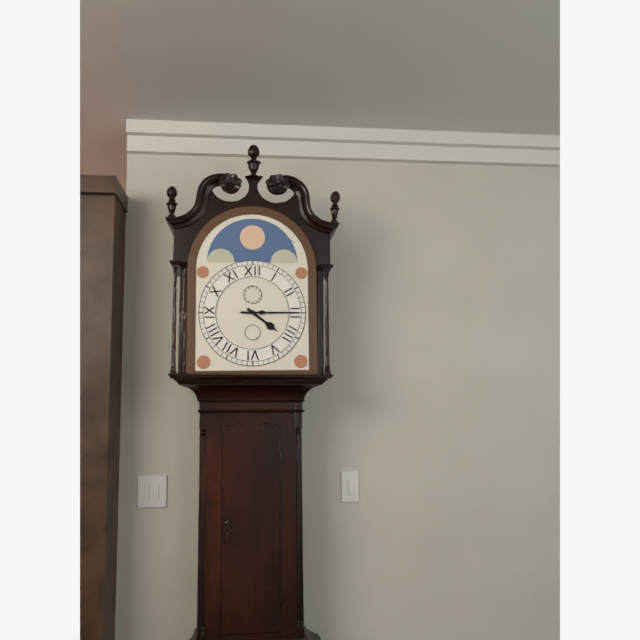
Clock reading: 4.15
